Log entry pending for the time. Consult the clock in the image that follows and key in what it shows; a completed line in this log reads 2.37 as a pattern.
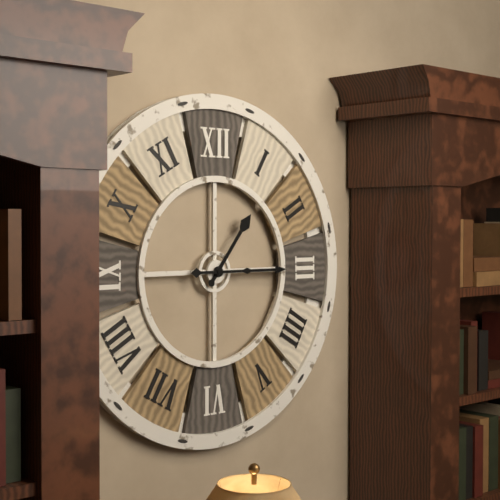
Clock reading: 1.15
